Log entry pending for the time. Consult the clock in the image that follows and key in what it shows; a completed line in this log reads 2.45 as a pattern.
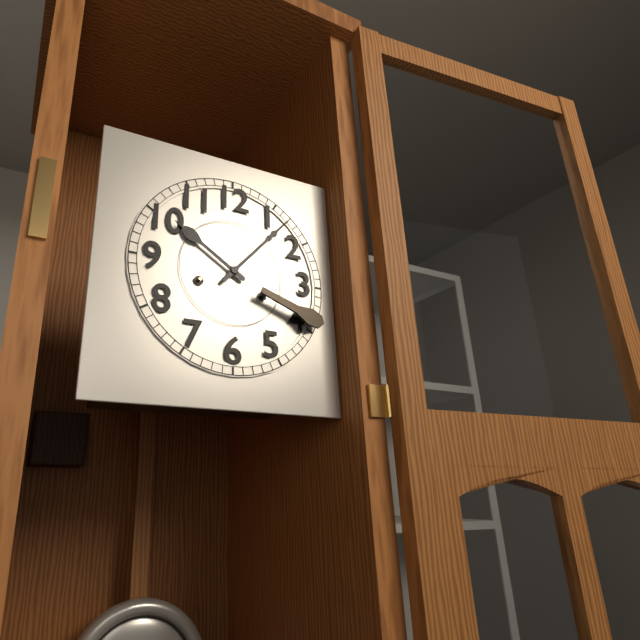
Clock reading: 10.07
